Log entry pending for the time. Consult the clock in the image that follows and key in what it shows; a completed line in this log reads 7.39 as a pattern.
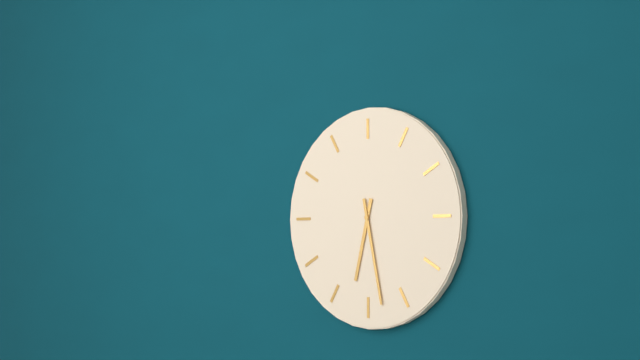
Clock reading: 6.28
